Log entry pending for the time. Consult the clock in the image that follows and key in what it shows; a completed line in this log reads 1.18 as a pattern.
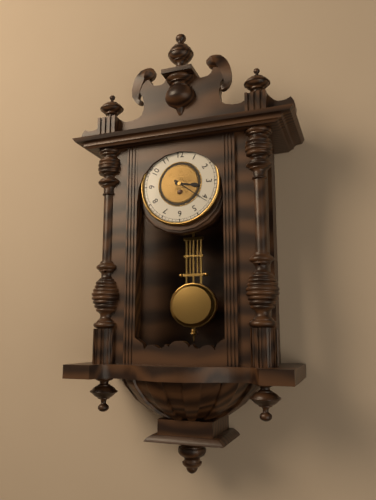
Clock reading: 3.21
